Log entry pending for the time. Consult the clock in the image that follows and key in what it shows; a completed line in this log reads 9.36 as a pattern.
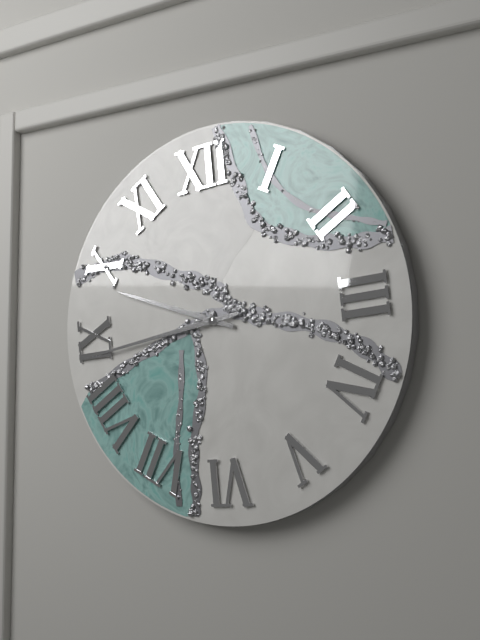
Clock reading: 9.44
